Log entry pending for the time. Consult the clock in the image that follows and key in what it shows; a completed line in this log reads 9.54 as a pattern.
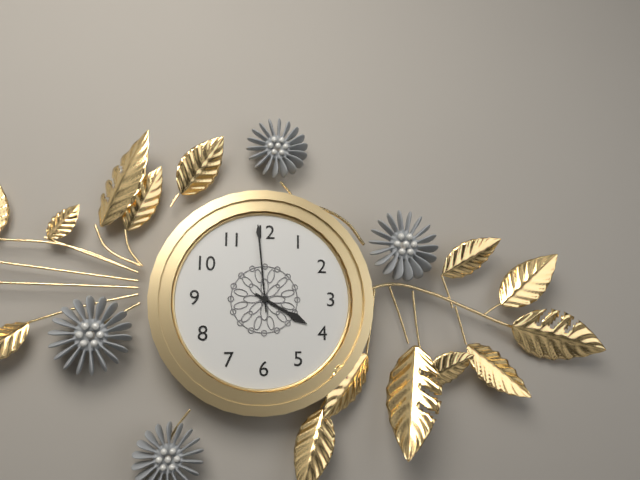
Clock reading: 3.59
